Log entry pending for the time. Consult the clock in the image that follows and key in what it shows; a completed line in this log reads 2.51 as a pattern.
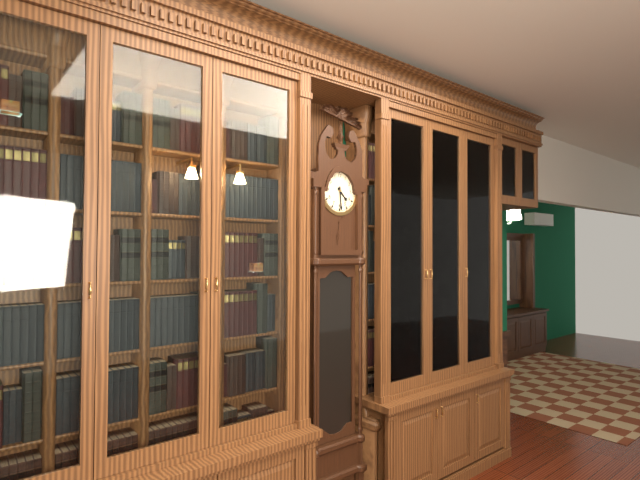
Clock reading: 4.29
